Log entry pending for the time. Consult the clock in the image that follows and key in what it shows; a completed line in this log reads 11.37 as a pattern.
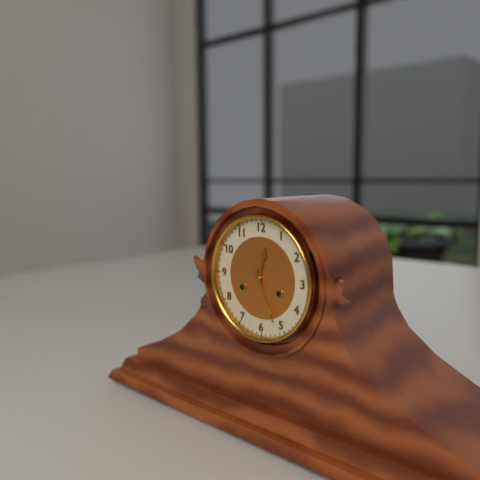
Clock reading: 12.26
